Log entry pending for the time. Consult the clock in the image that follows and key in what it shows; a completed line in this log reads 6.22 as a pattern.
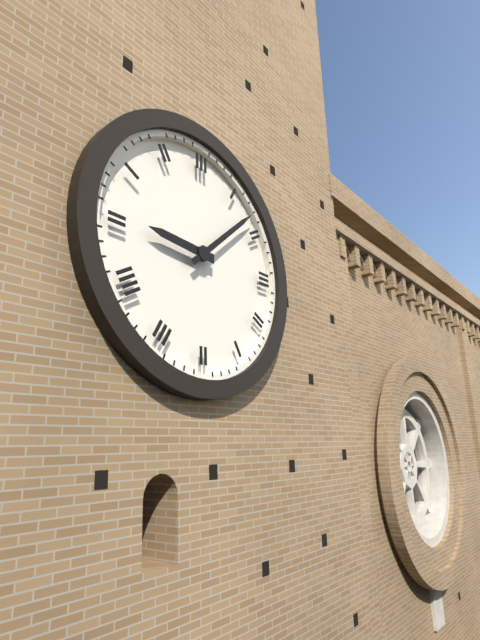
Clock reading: 9.08
